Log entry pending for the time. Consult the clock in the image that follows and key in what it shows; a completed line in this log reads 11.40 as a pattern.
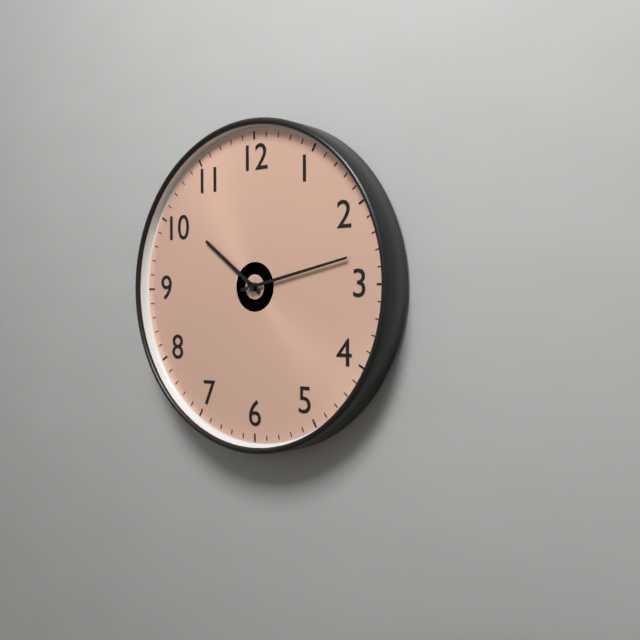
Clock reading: 10.13
